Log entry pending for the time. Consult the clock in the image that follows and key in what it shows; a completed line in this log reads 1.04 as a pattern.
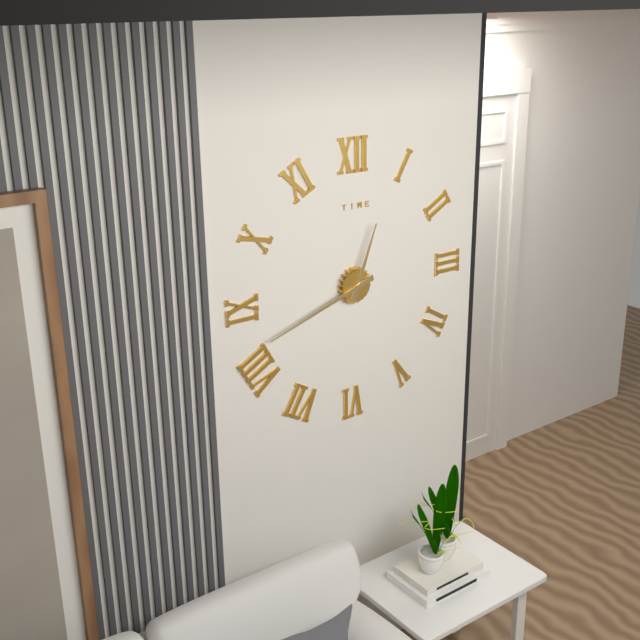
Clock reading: 12.42
